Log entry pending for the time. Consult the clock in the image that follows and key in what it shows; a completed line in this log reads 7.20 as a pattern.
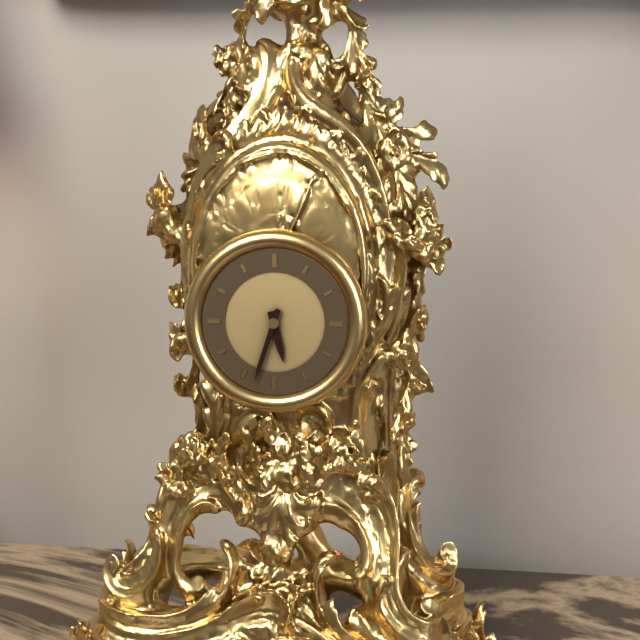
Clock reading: 5.33
